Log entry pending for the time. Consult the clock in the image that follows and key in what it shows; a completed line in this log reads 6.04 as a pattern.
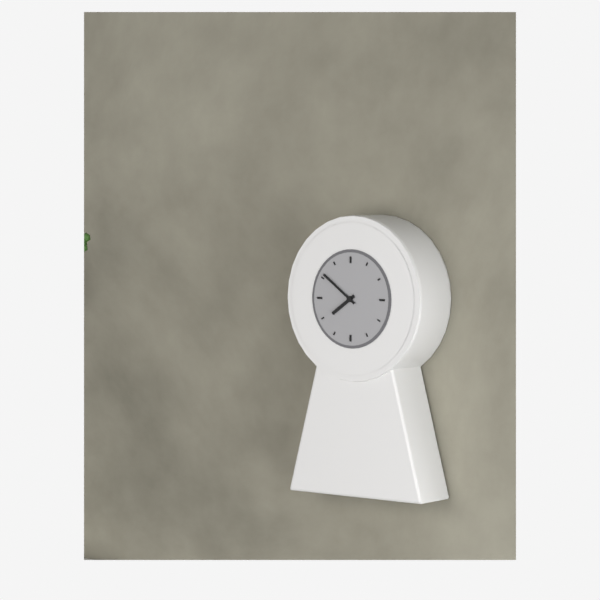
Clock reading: 7.51
